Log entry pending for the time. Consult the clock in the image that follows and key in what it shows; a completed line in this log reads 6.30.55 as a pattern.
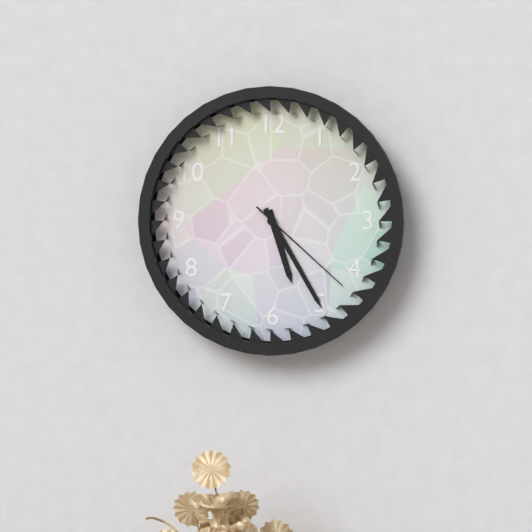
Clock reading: 5.25.22
